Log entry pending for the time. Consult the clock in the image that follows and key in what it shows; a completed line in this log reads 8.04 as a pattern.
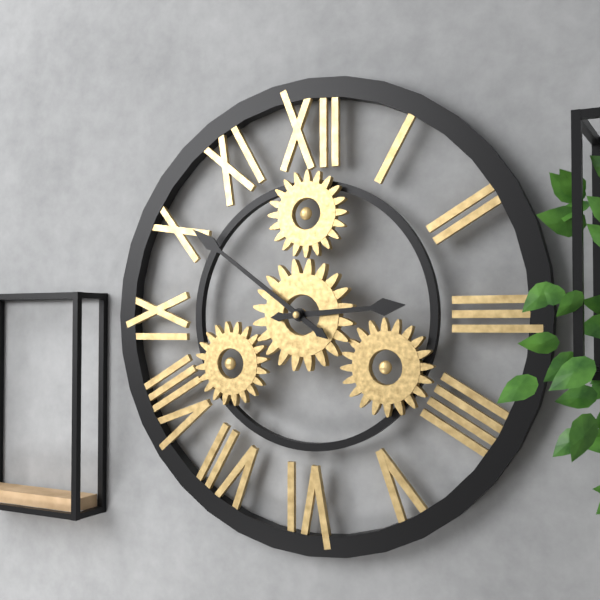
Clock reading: 2.51
